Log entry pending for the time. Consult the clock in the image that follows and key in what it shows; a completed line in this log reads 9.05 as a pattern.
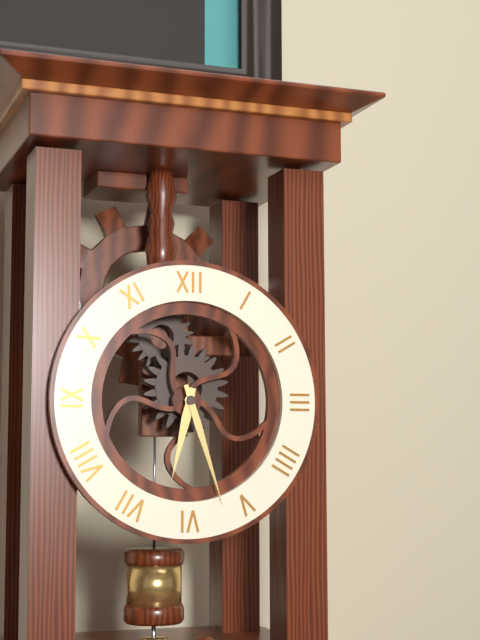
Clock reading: 6.27
